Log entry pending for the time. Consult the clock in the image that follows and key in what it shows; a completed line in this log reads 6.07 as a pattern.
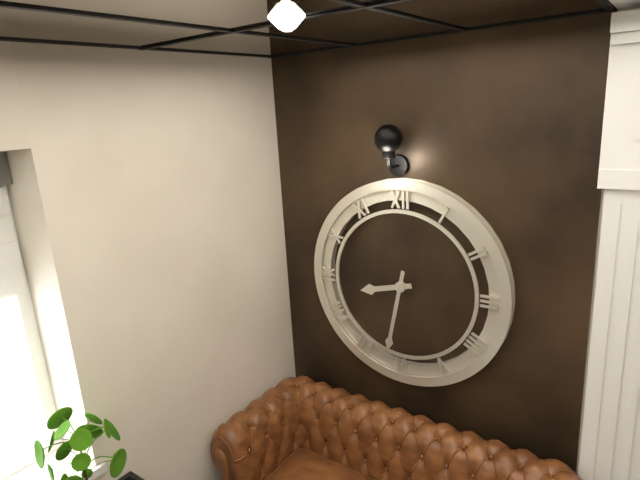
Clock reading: 8.32
